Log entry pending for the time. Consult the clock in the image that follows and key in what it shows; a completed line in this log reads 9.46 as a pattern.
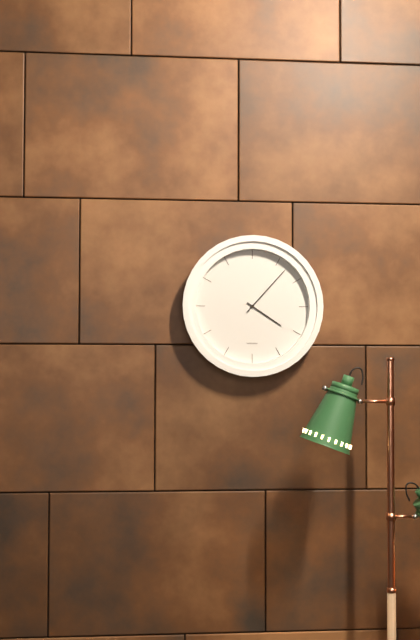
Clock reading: 4.07
